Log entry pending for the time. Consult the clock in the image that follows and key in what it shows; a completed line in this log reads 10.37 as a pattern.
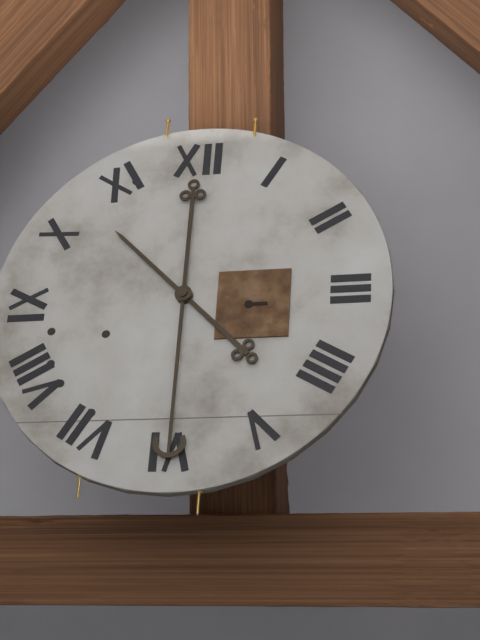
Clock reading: 10.30
